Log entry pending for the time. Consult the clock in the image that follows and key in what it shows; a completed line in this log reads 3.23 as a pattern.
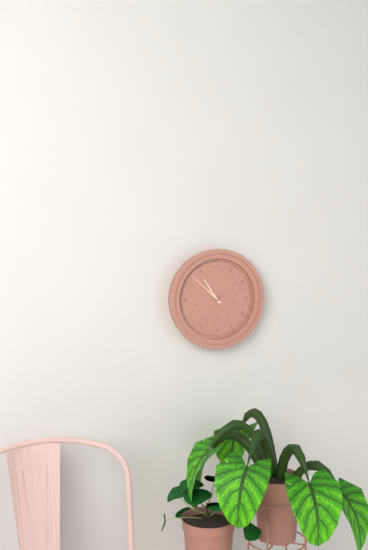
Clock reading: 10.52
